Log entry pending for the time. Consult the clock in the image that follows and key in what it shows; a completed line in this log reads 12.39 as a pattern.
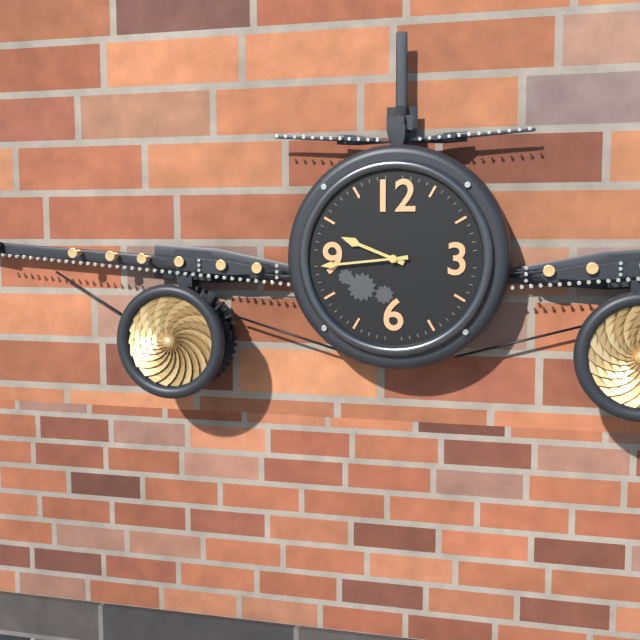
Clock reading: 9.44
